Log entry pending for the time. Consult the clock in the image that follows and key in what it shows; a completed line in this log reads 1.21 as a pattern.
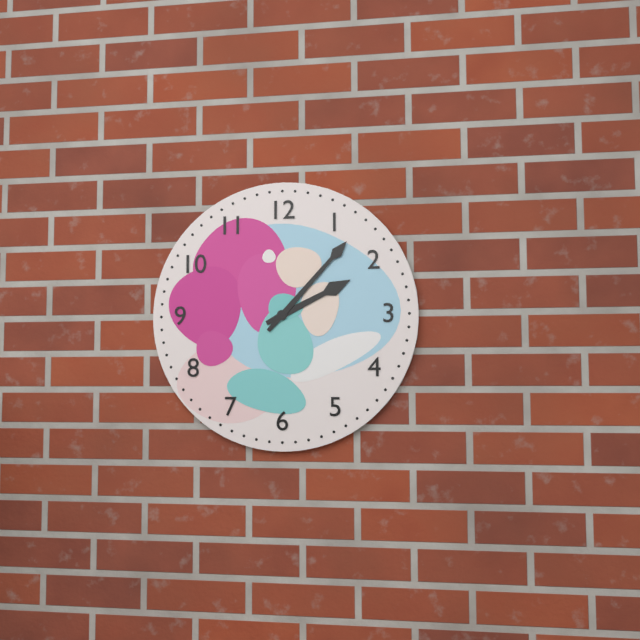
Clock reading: 2.07
